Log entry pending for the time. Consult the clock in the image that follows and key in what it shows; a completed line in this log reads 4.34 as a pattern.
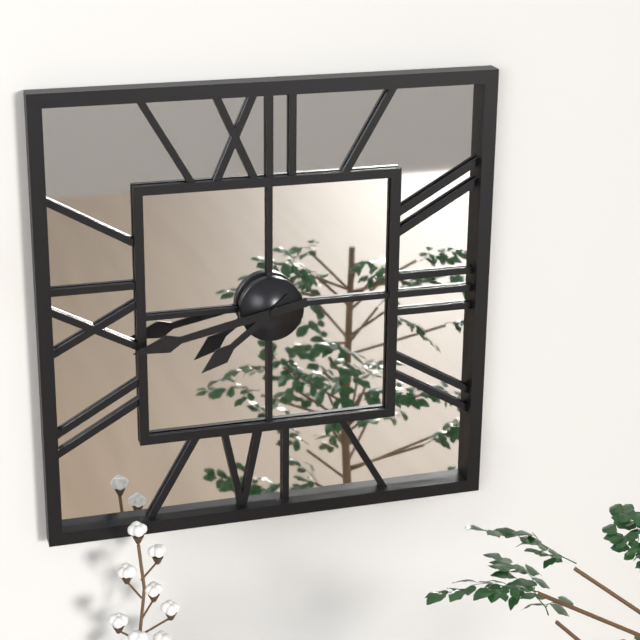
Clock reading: 7.43
